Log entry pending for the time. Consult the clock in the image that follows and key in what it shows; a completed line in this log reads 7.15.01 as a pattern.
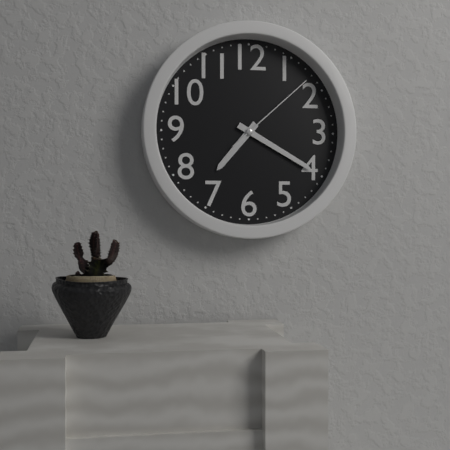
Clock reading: 7.20.08
